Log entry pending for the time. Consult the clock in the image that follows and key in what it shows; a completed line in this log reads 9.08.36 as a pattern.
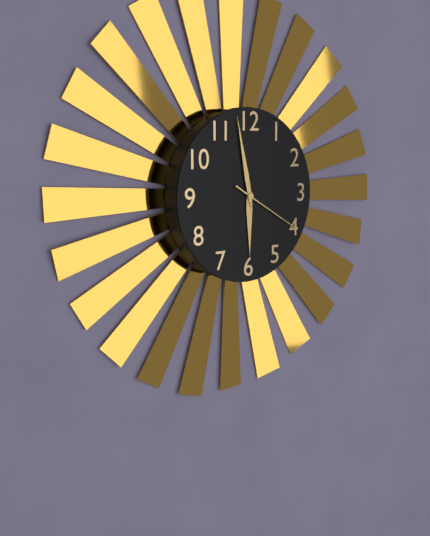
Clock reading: 5.58.20
